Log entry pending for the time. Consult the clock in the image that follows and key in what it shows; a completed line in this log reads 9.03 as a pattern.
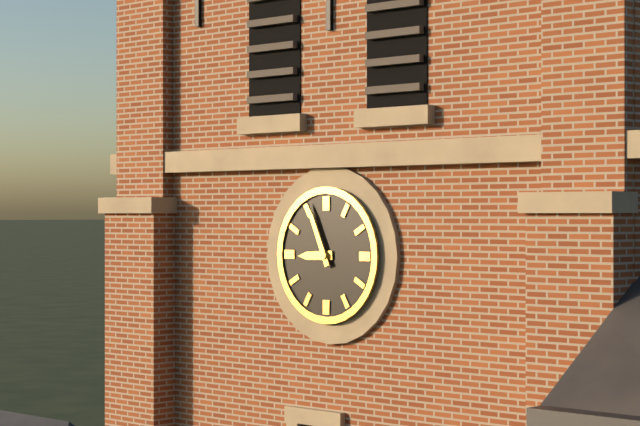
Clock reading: 8.56
